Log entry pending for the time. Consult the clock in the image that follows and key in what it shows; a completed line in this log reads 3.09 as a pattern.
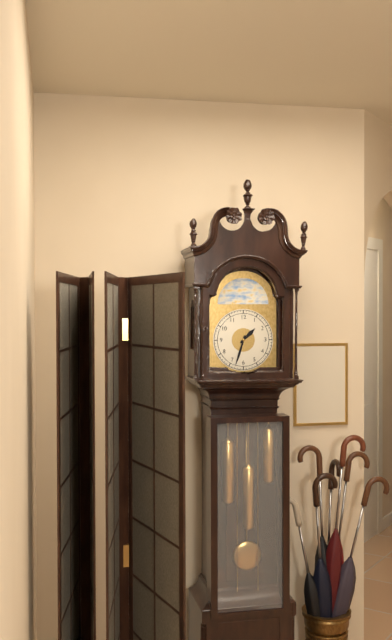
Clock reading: 1.33
